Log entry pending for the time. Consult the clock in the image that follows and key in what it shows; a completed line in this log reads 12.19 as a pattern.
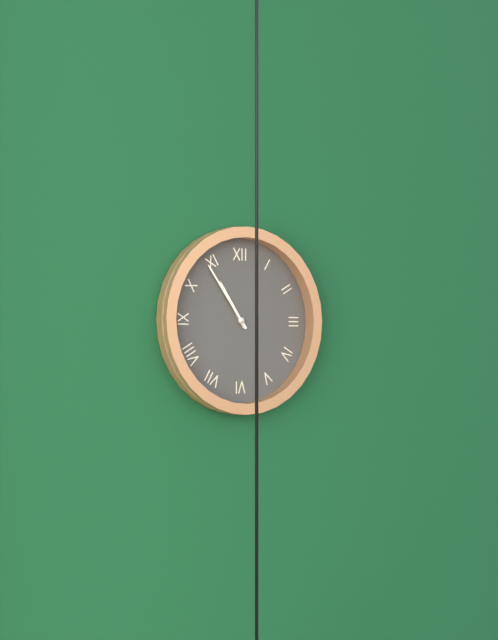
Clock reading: 10.54
